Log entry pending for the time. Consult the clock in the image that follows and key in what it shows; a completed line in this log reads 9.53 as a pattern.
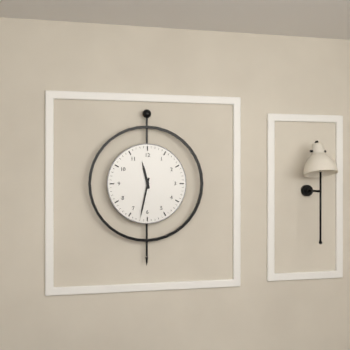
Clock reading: 11.32
